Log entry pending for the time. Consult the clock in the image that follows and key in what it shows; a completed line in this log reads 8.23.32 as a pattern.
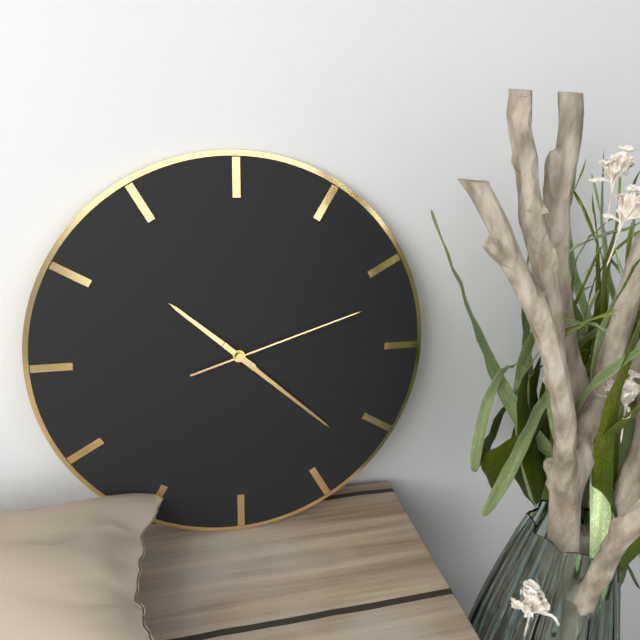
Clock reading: 10.22.12
